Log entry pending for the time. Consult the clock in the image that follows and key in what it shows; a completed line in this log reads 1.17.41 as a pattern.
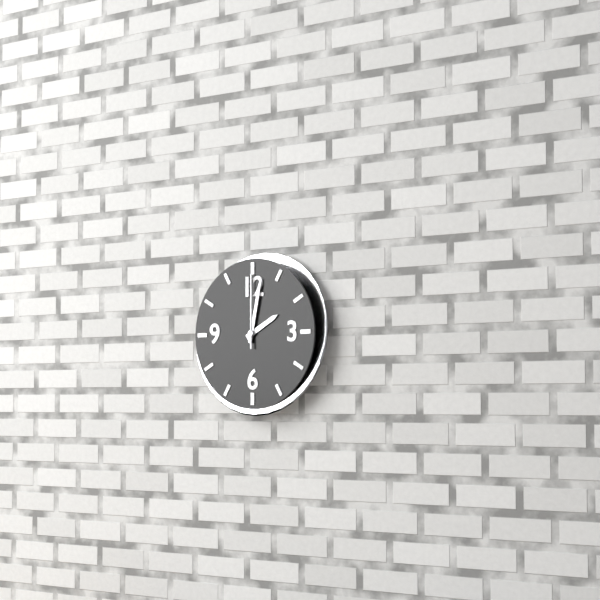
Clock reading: 2.02.00
